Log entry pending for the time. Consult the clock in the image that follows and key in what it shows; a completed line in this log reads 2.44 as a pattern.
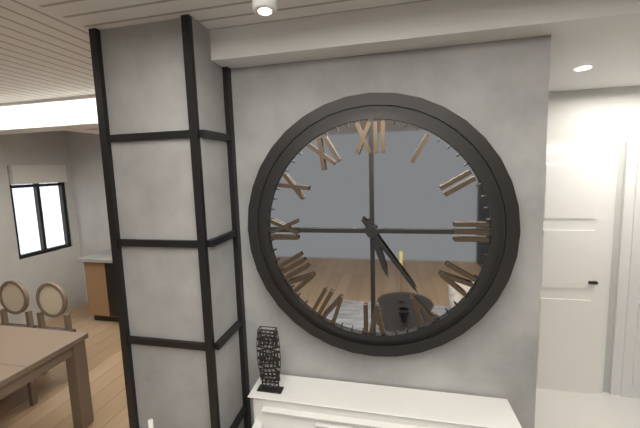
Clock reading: 5.24
